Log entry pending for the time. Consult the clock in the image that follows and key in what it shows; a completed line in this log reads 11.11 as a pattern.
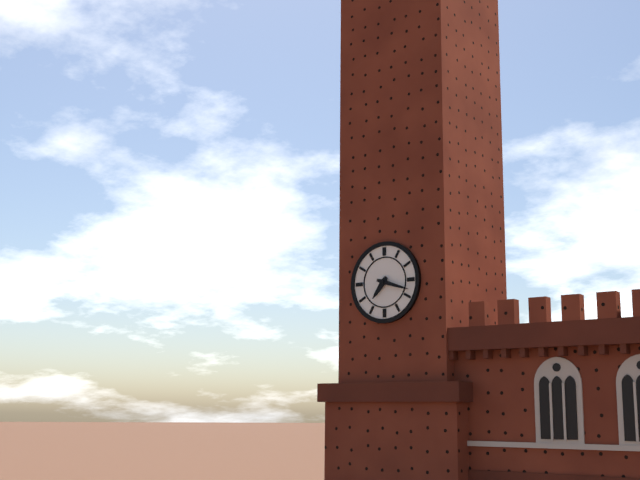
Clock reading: 7.18
